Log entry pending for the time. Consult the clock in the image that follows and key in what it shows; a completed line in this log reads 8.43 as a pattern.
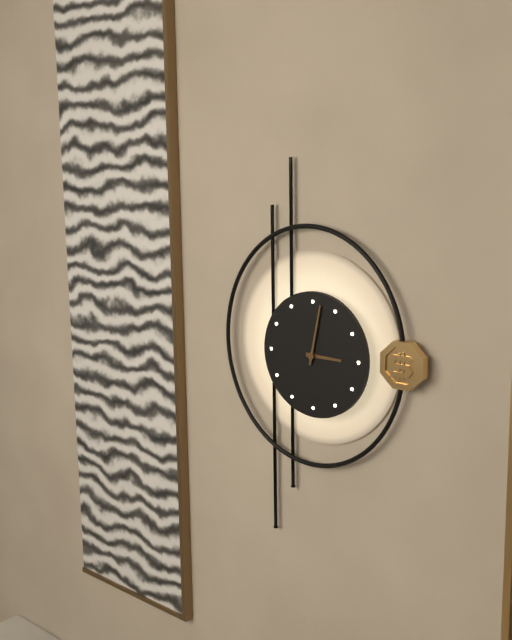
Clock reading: 3.02
